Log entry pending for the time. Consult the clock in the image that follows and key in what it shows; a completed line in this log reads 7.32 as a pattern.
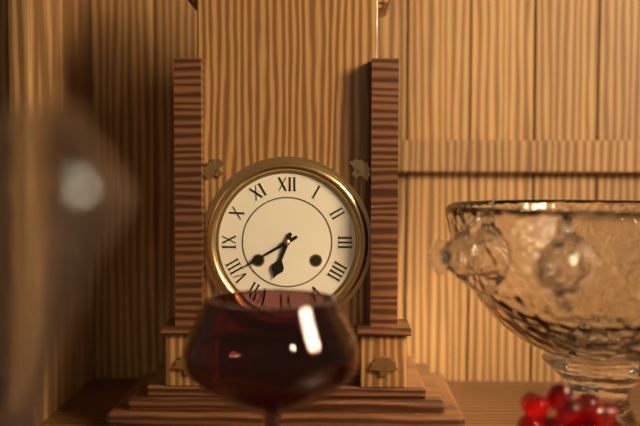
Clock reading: 6.40
